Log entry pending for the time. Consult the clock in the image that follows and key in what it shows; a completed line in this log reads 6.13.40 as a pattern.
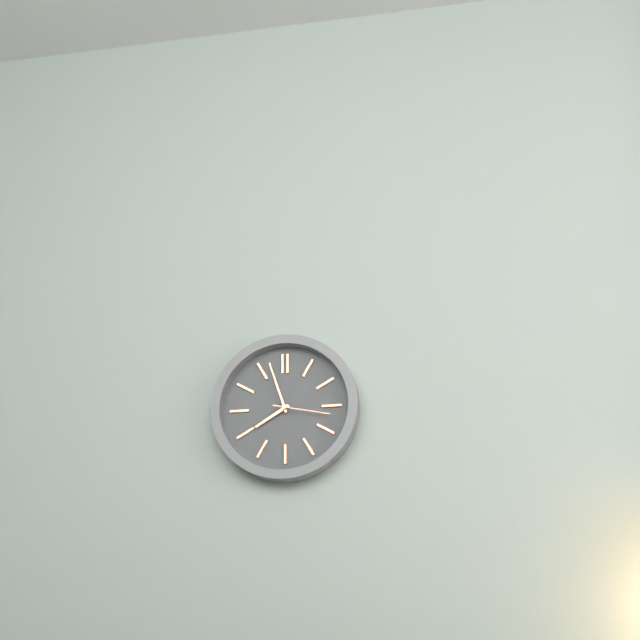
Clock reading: 7.57.17
